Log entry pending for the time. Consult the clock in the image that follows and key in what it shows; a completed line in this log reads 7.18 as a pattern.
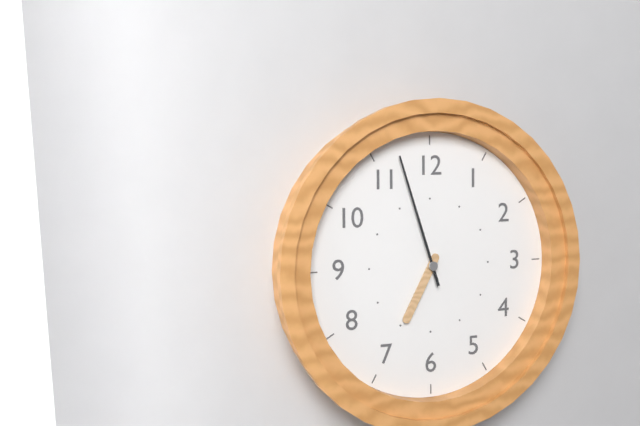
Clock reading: 6.57
